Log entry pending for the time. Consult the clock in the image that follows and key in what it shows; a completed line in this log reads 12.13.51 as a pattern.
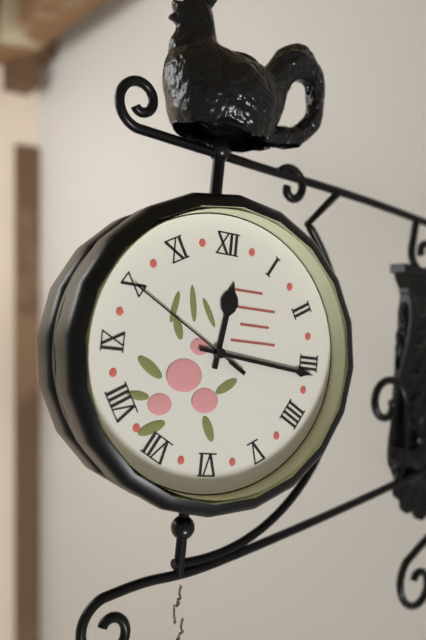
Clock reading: 12.16.50
